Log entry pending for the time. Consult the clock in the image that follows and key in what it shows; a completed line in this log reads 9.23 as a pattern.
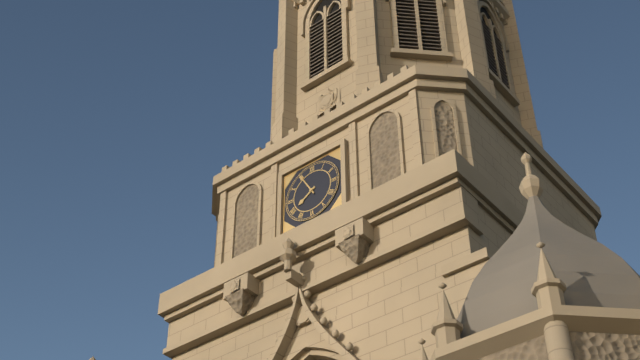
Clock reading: 7.55
